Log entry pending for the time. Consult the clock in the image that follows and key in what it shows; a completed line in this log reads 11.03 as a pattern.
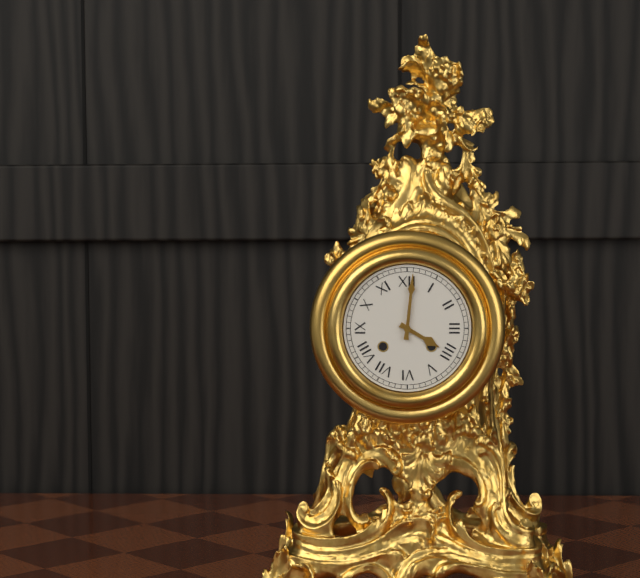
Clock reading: 4.01
